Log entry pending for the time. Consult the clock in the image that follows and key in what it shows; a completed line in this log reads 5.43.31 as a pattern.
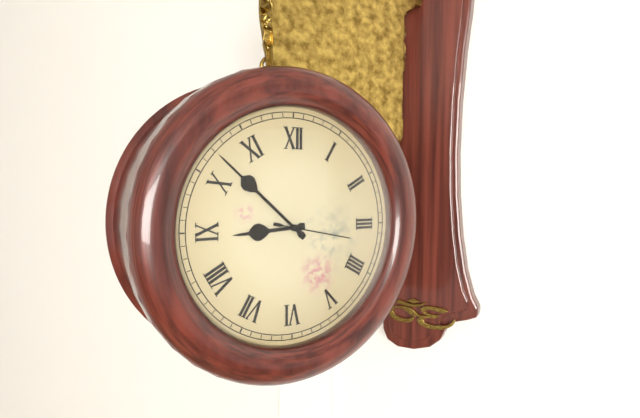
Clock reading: 8.52.17
